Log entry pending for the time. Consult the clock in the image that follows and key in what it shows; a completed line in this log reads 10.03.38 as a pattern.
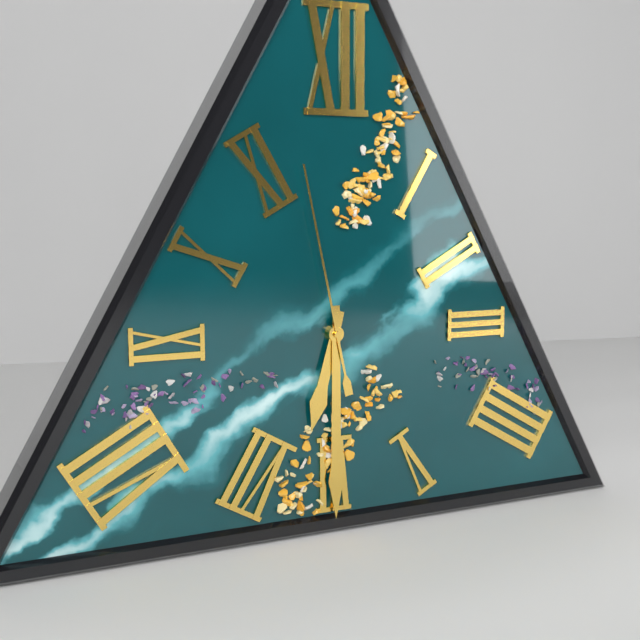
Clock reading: 6.30.58
